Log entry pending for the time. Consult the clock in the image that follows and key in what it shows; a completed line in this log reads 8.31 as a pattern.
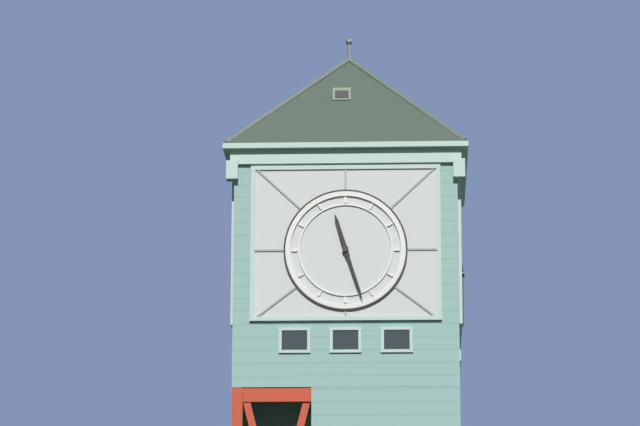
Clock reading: 11.27
